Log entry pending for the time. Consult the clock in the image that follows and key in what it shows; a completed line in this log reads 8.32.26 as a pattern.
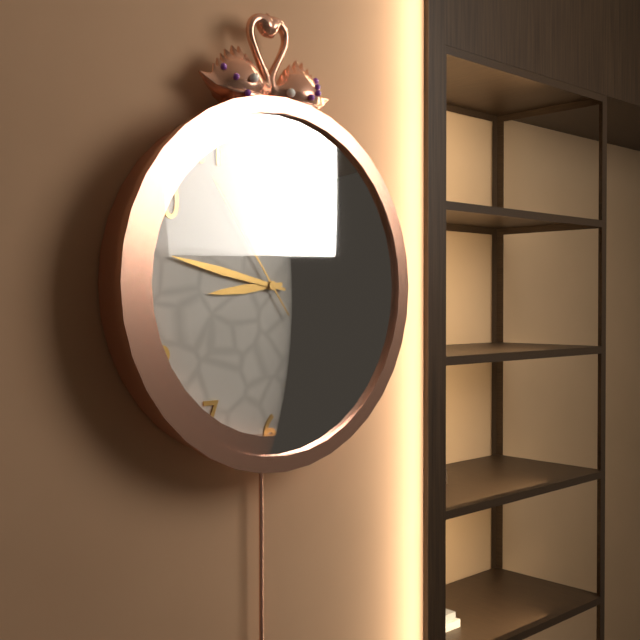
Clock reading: 8.47.54
